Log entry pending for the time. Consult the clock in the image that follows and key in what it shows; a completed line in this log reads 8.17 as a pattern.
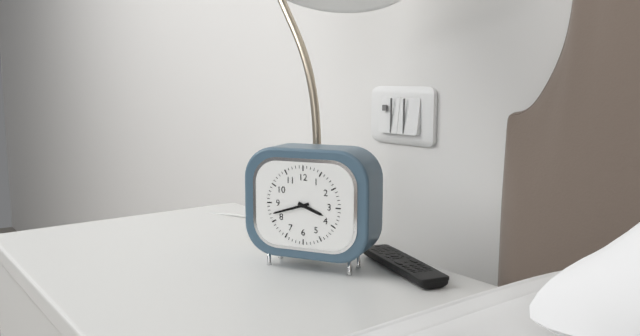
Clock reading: 3.42
